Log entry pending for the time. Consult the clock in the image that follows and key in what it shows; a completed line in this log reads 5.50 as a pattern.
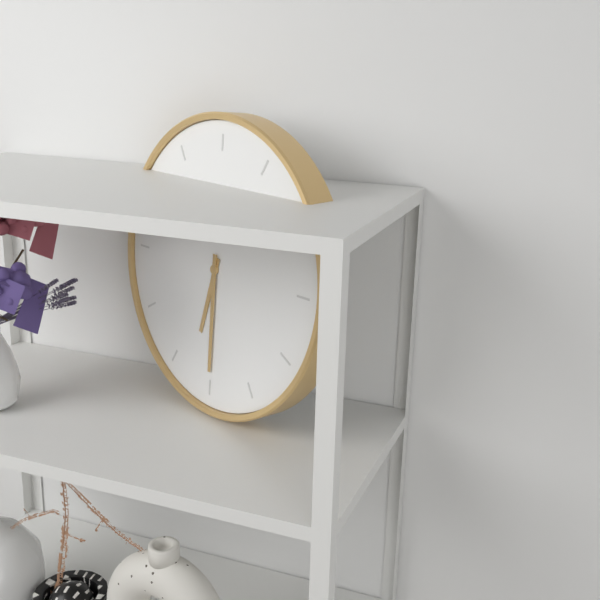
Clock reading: 6.30
